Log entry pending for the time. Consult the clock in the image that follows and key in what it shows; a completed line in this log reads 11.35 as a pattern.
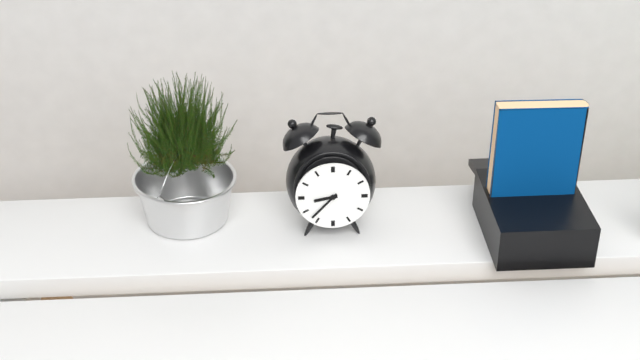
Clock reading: 8.37
